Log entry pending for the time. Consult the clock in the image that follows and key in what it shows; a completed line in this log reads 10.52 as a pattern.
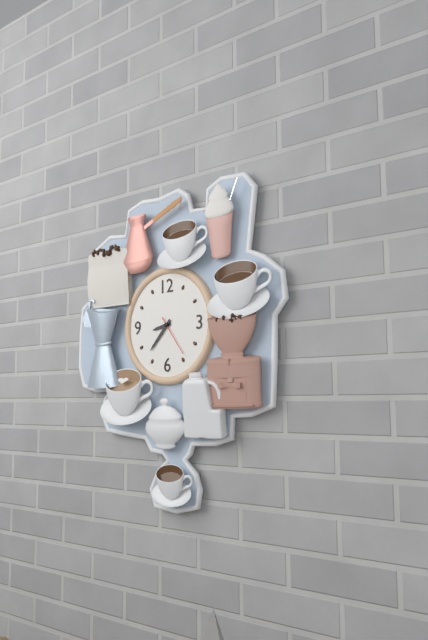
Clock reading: 8.37
